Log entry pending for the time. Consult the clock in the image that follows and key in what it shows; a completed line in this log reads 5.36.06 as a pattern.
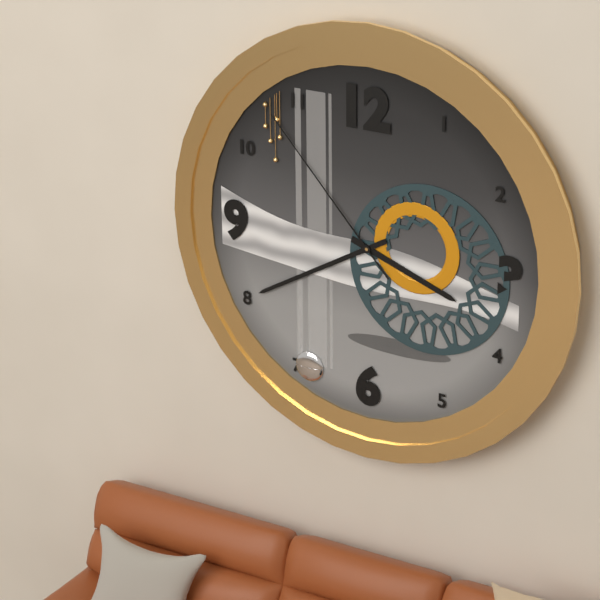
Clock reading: 3.40.53
